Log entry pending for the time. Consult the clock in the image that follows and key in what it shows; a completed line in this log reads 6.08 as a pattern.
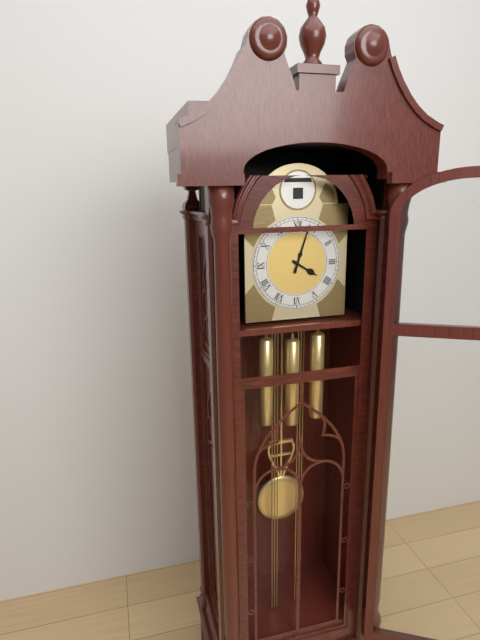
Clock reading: 4.03
